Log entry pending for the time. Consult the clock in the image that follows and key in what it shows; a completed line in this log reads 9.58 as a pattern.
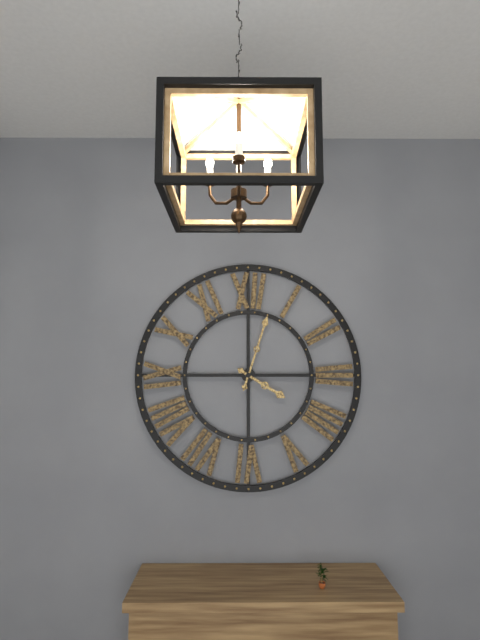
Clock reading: 4.03
